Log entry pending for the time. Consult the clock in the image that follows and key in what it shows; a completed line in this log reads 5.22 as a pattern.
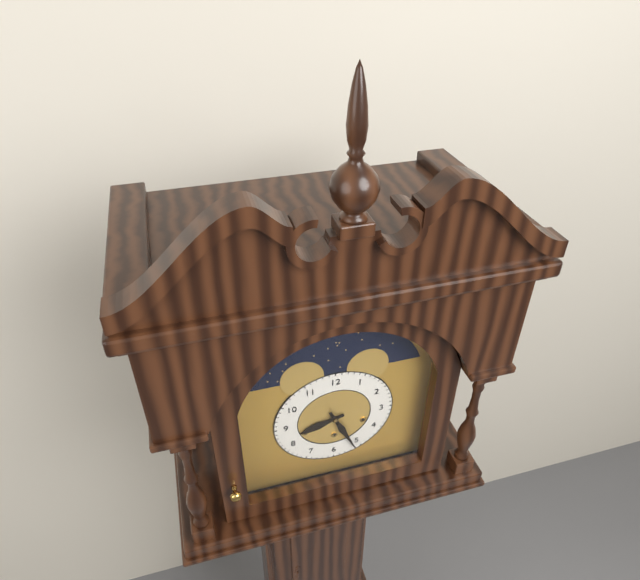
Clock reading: 8.26
